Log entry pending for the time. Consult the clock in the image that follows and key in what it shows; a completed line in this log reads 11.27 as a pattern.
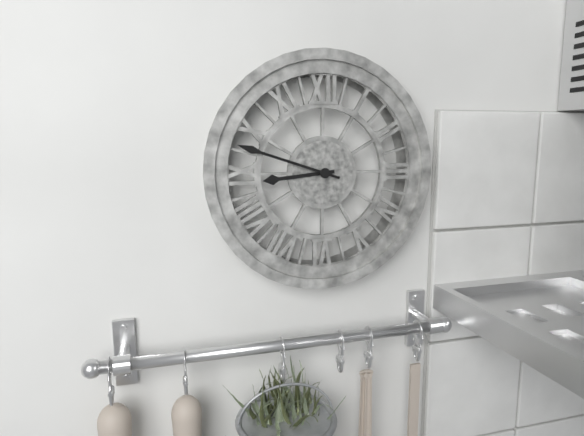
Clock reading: 8.48
